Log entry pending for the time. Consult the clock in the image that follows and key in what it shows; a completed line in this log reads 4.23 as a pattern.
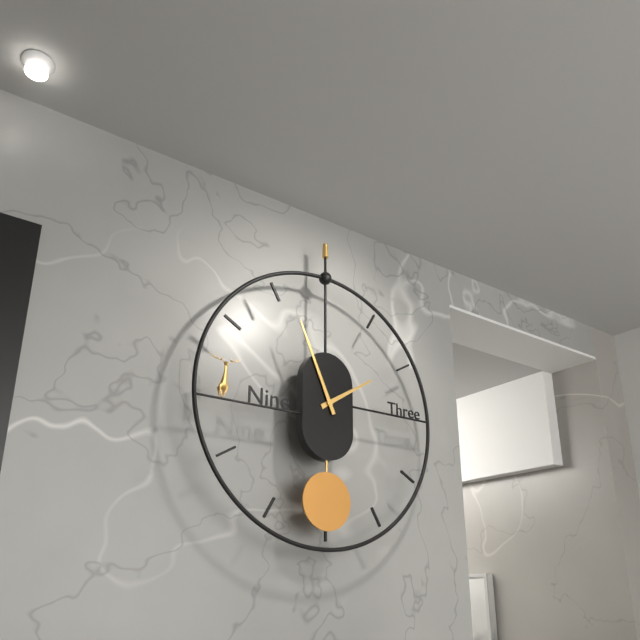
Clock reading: 1.56
